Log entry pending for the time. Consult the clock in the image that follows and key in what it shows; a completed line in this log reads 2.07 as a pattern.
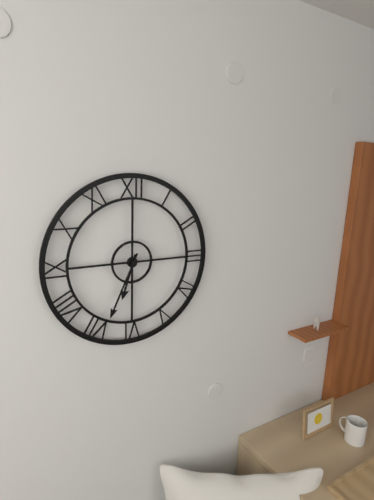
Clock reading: 6.34
